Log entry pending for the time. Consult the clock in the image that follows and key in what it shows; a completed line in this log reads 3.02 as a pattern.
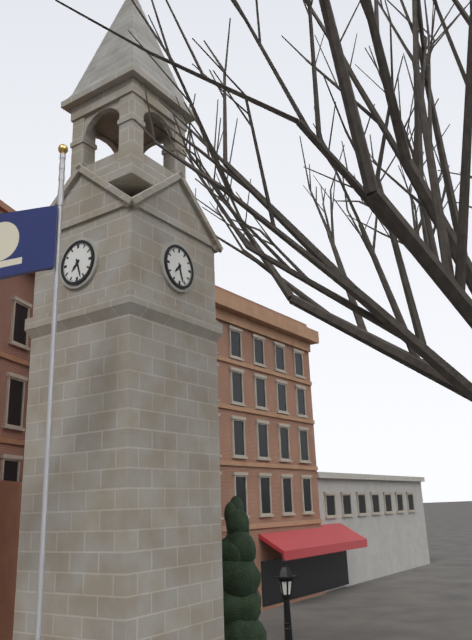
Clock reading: 7.27
